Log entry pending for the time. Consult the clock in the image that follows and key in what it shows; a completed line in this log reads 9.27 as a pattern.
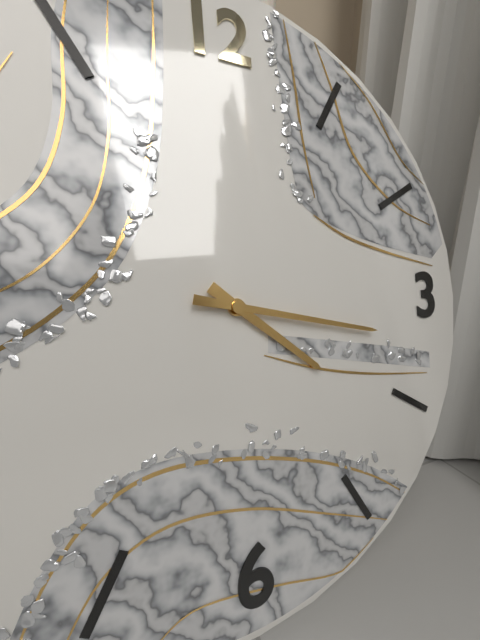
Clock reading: 4.17
